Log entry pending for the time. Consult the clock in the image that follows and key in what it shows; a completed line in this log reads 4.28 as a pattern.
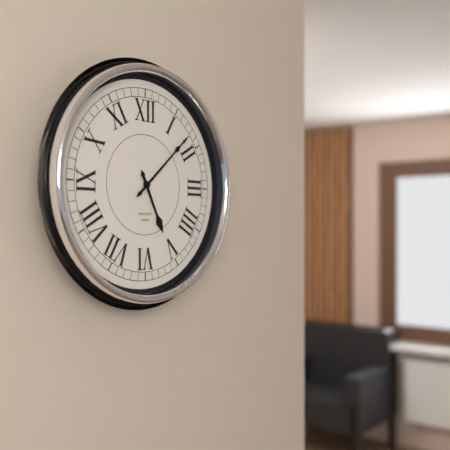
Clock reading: 5.08
